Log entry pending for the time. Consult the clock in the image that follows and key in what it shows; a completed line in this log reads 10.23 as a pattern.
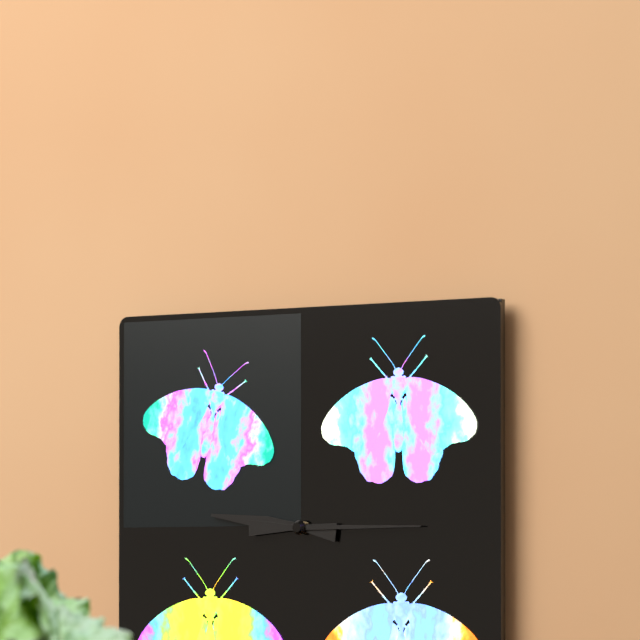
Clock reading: 9.15
